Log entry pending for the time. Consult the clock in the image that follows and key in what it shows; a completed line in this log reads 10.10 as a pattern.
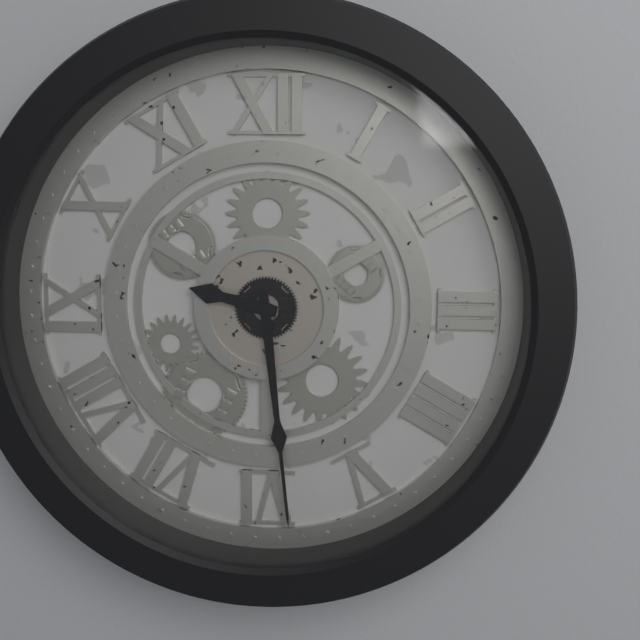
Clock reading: 9.29
